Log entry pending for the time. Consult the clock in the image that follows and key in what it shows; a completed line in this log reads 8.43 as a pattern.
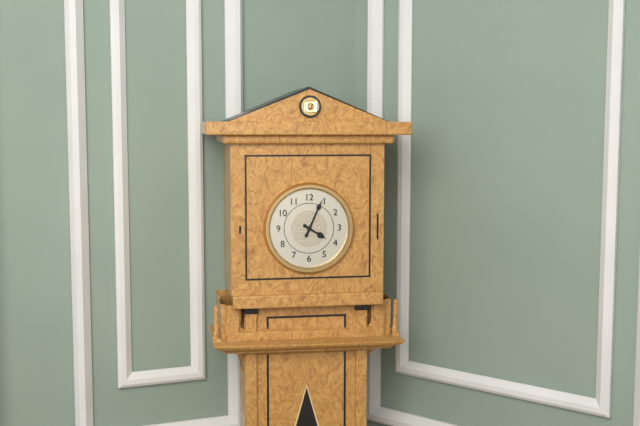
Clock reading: 4.04
